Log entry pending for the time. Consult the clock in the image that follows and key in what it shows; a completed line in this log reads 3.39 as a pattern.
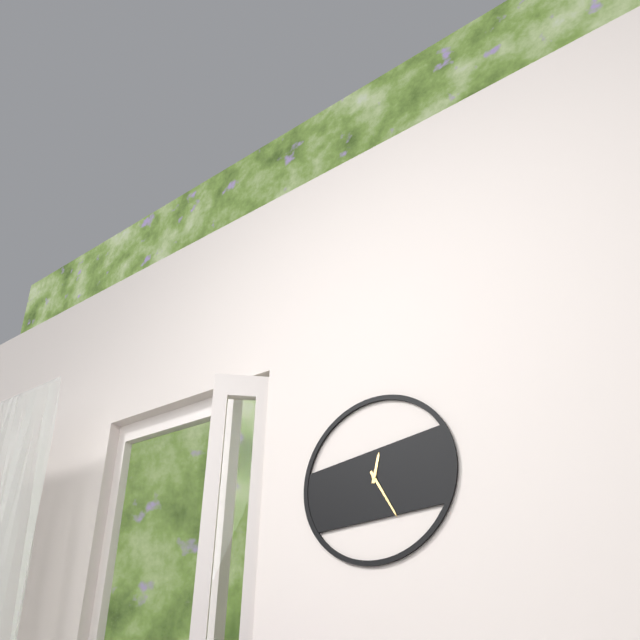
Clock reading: 12.25
